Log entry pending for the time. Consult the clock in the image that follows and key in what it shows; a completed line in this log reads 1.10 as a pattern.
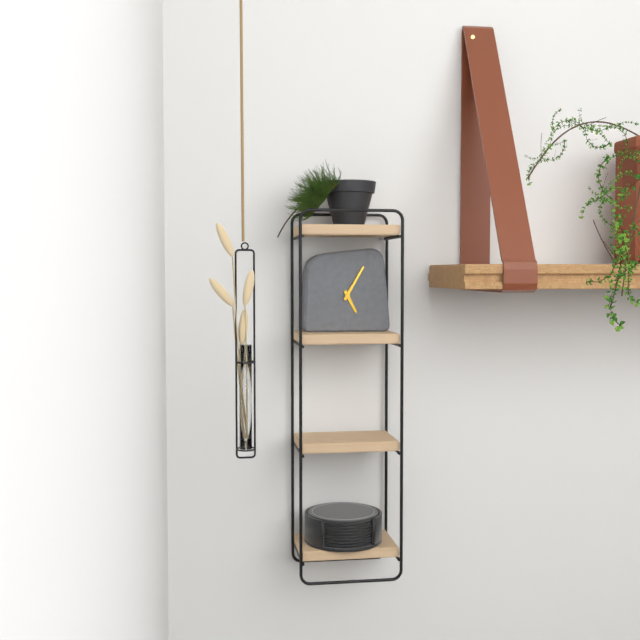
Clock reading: 5.05
